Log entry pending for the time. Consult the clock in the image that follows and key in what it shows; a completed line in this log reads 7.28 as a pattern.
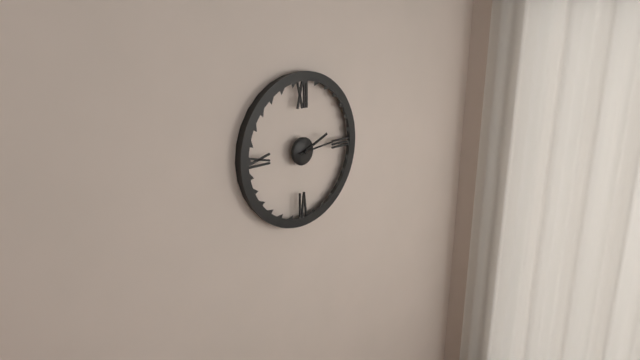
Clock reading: 2.14
